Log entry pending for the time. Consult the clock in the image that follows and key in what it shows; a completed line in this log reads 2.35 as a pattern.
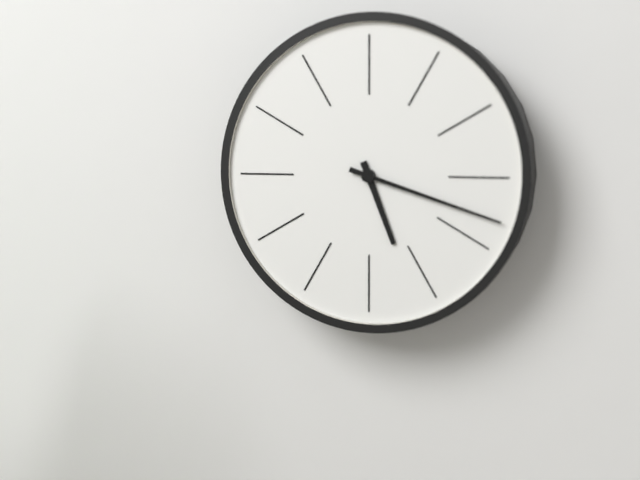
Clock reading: 5.18
